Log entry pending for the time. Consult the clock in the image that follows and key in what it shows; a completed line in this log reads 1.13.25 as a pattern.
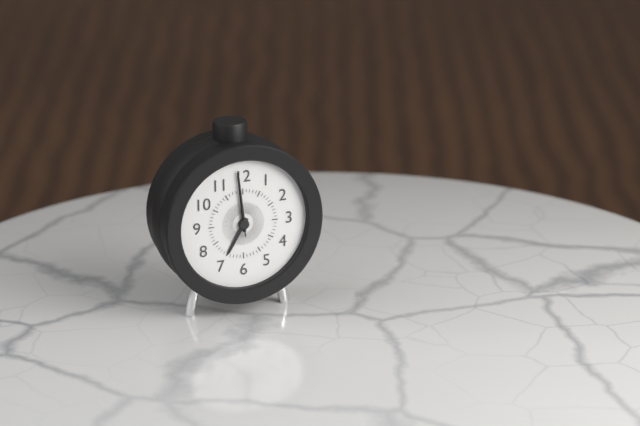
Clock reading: 6.59.59
